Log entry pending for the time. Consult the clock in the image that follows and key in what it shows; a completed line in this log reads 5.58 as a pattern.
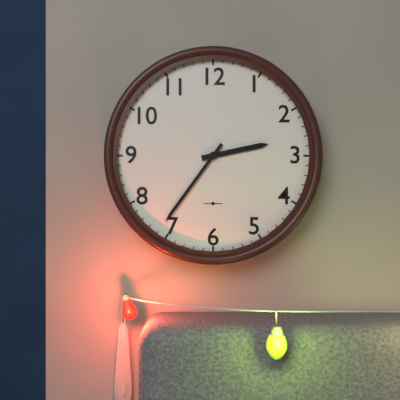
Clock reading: 2.36
